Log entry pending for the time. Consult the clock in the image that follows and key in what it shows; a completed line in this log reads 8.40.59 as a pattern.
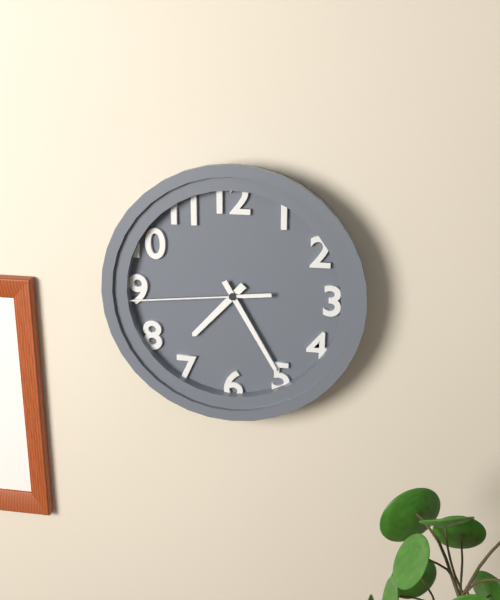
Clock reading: 7.25.44
